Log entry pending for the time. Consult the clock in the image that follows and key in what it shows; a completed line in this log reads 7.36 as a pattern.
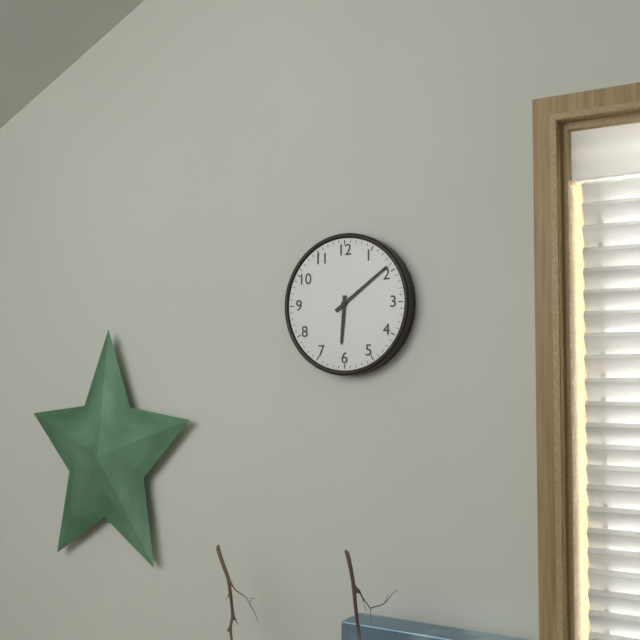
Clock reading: 6.09
